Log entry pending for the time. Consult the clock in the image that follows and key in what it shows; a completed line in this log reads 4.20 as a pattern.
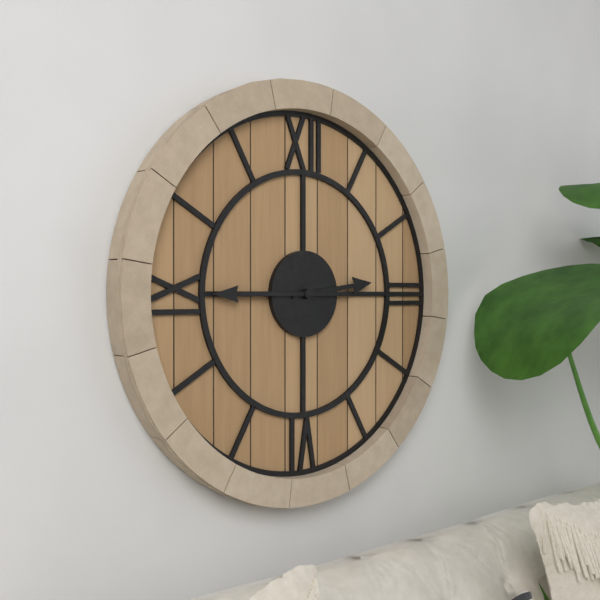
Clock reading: 2.45
